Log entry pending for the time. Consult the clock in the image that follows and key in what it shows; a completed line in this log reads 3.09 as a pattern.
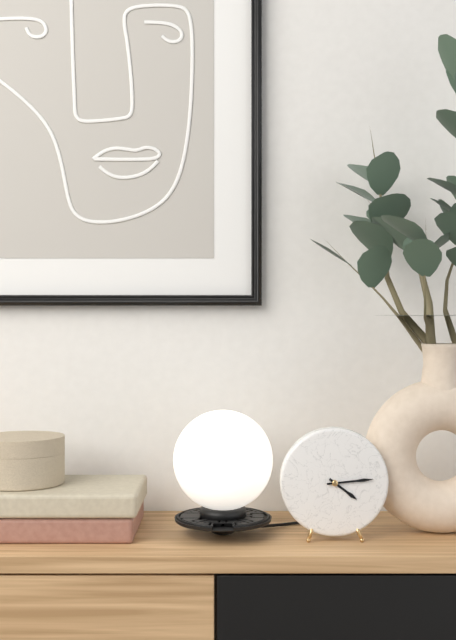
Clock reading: 4.14
